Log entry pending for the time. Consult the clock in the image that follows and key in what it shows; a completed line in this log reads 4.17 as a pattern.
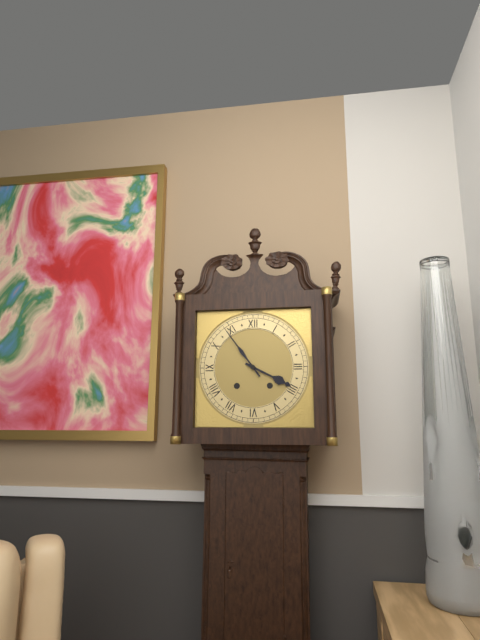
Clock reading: 3.54
